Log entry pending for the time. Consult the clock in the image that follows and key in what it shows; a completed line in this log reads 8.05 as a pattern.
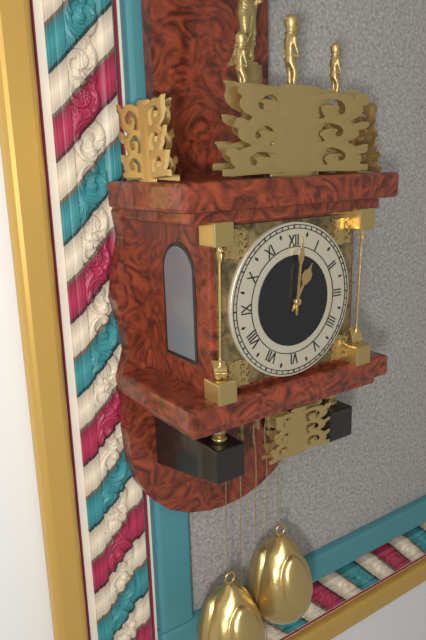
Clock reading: 1.01
